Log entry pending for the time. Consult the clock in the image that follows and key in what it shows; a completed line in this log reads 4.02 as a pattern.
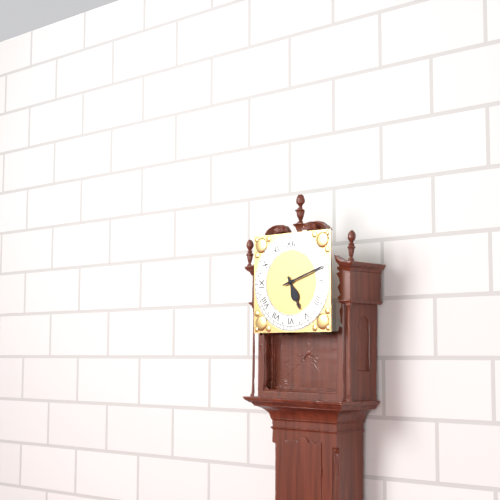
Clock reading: 5.12
